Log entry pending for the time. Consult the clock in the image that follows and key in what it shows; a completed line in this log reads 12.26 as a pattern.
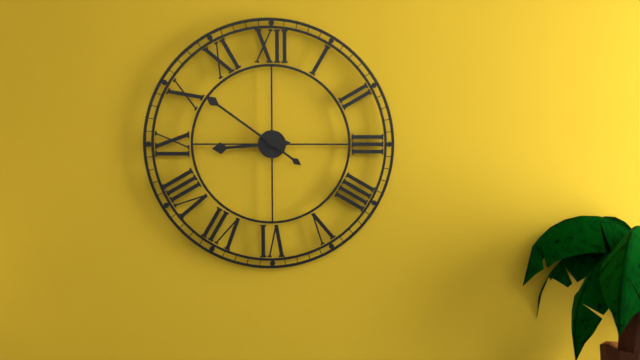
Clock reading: 8.51
